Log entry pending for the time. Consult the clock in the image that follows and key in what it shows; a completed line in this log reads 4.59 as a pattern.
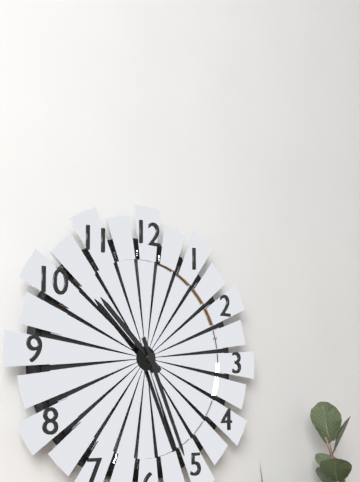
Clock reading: 10.26
